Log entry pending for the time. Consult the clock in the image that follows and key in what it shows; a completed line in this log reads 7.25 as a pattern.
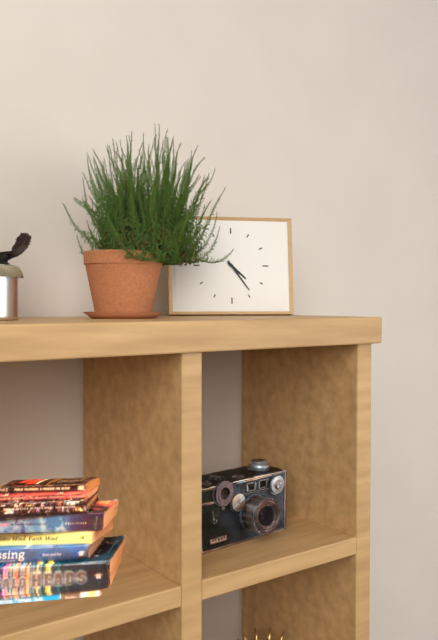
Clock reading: 4.24
